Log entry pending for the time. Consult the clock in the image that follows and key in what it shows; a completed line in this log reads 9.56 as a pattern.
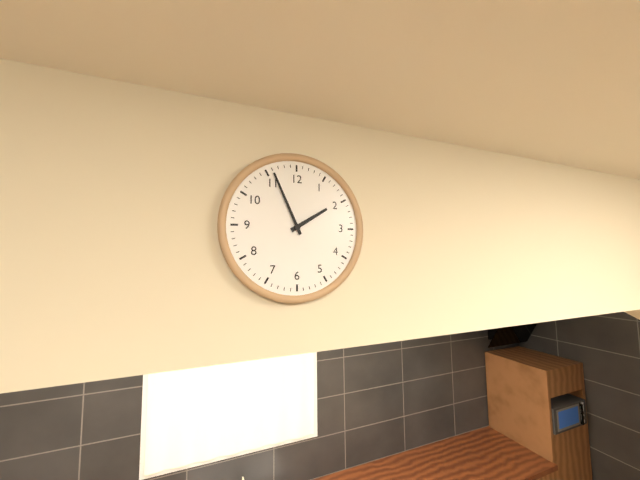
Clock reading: 1.56
